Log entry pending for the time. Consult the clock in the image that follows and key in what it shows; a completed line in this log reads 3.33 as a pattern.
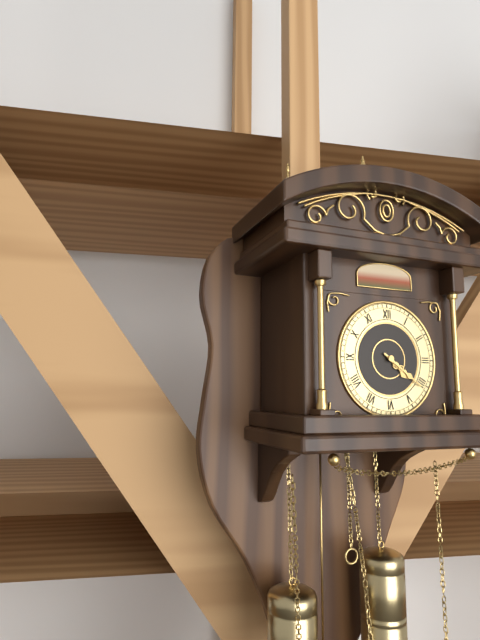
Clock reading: 4.21
